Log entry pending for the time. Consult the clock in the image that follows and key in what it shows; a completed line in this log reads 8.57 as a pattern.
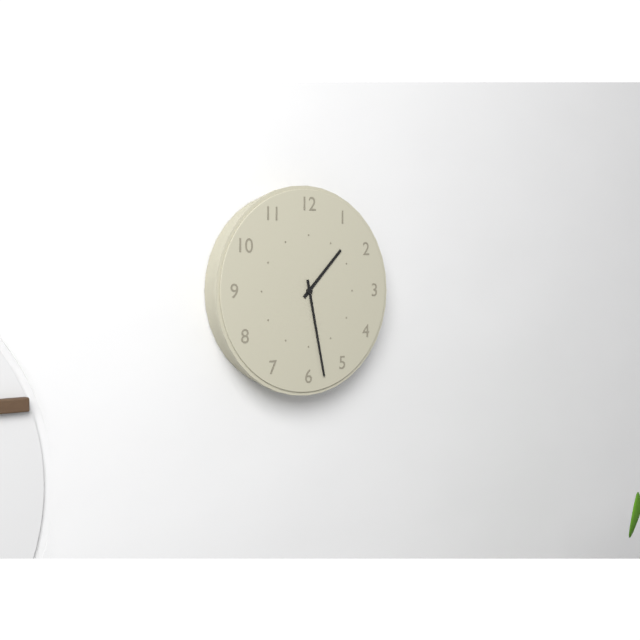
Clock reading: 1.28
